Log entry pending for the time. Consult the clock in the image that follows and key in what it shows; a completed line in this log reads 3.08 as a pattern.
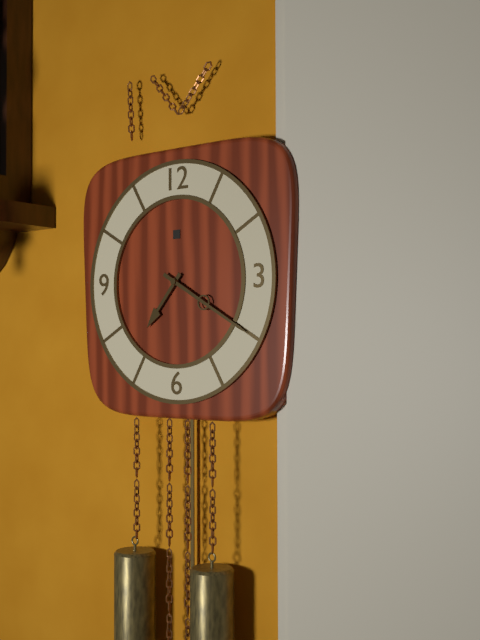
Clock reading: 7.20
